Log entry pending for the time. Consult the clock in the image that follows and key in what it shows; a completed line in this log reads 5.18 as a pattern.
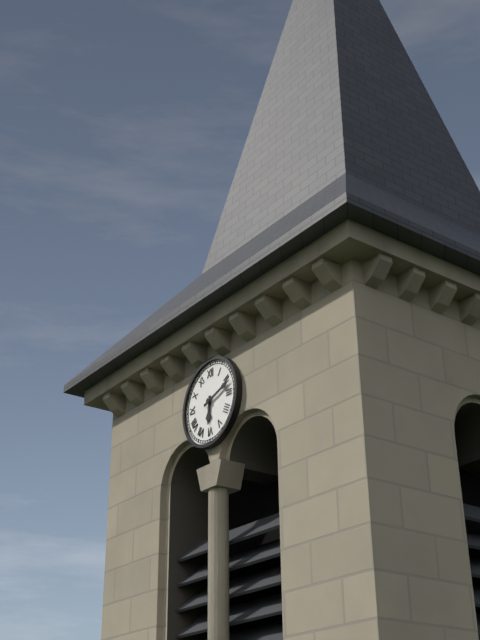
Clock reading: 6.12
